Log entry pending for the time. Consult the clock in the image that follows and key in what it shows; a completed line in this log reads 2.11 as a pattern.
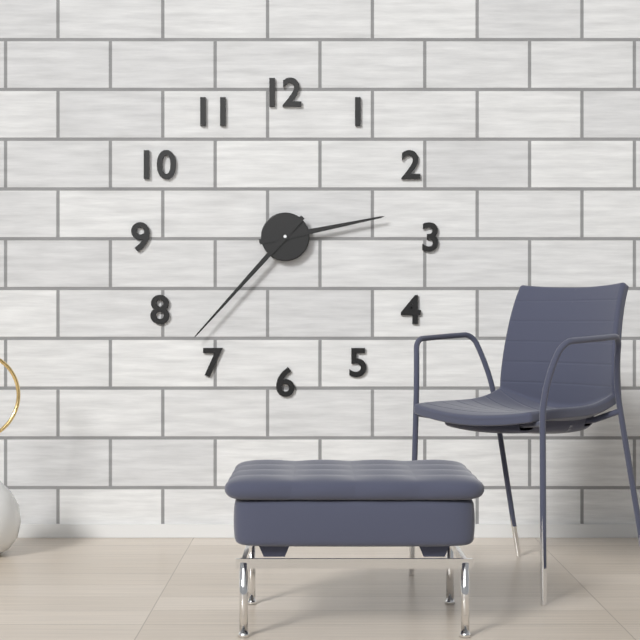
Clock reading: 2.37
